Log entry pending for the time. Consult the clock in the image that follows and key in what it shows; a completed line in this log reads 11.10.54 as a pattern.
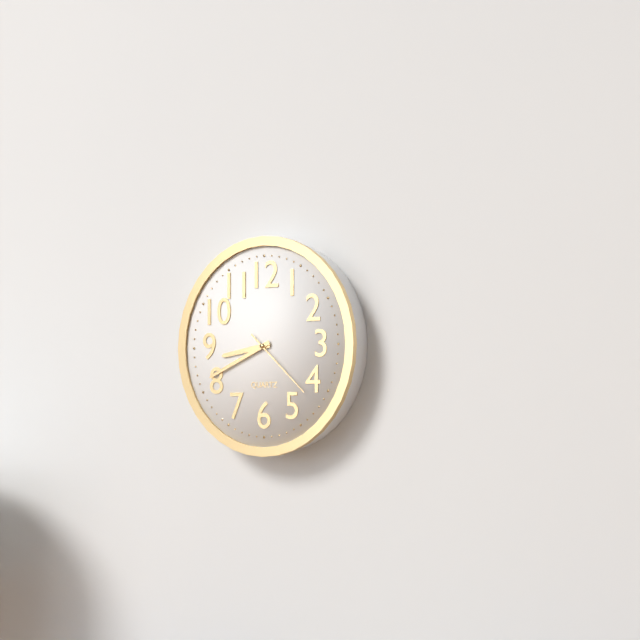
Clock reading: 8.41.22
